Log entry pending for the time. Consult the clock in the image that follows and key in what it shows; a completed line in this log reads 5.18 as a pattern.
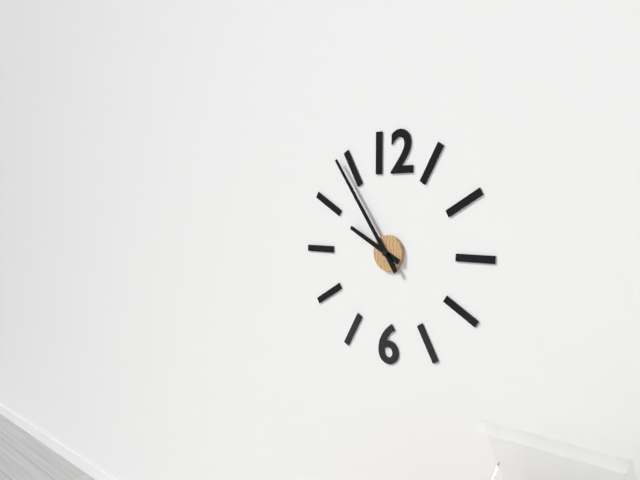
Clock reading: 9.54
